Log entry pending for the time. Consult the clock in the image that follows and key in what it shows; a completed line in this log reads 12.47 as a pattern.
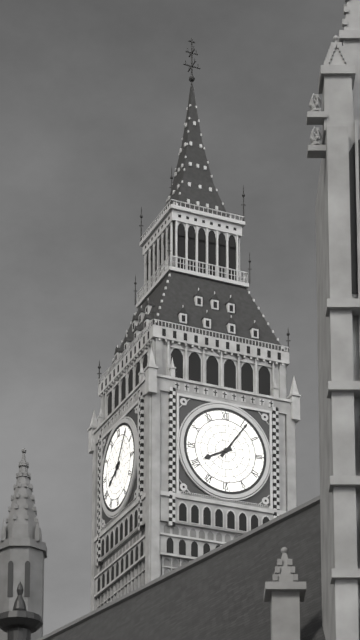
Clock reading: 8.06
